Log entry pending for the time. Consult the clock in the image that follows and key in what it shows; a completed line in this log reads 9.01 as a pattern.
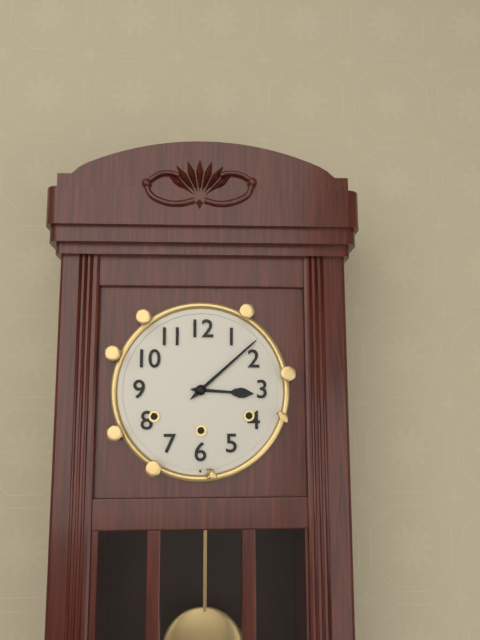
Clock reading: 3.08
